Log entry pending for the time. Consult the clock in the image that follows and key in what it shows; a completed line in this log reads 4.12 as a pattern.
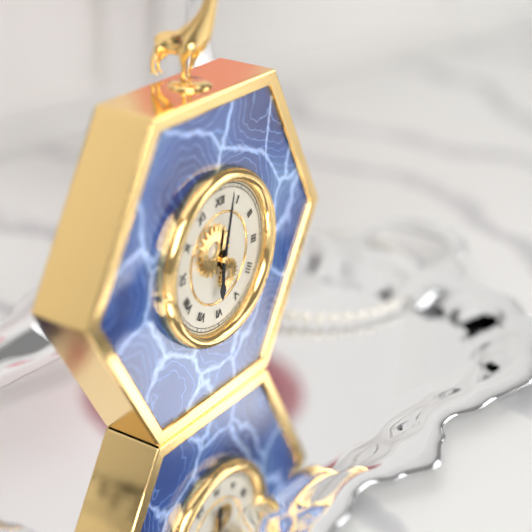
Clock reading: 6.02
